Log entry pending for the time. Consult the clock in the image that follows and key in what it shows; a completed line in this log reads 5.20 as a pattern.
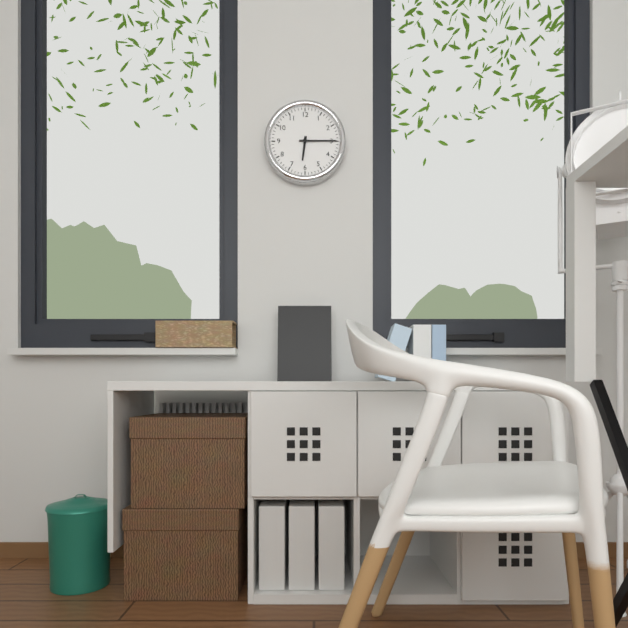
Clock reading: 6.15
